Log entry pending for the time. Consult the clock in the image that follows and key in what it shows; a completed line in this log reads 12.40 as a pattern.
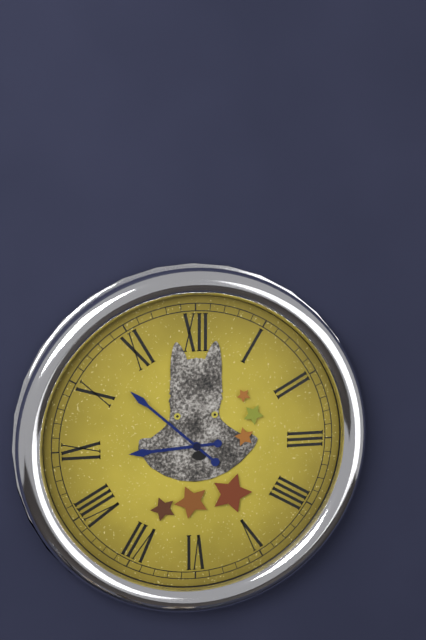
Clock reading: 8.52
